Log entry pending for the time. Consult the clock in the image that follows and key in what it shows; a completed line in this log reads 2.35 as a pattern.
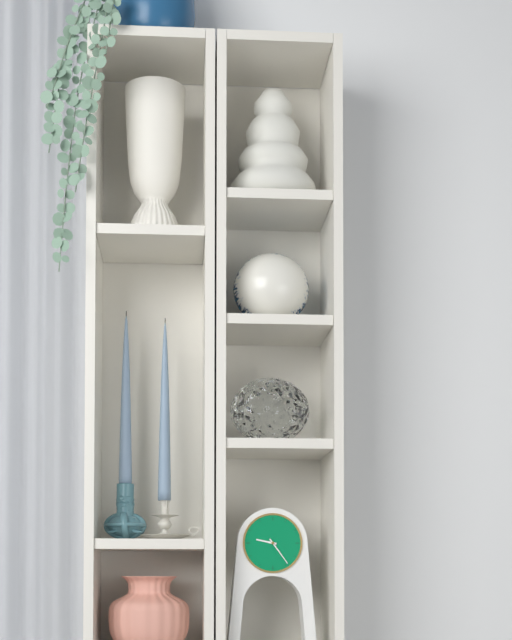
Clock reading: 9.24
